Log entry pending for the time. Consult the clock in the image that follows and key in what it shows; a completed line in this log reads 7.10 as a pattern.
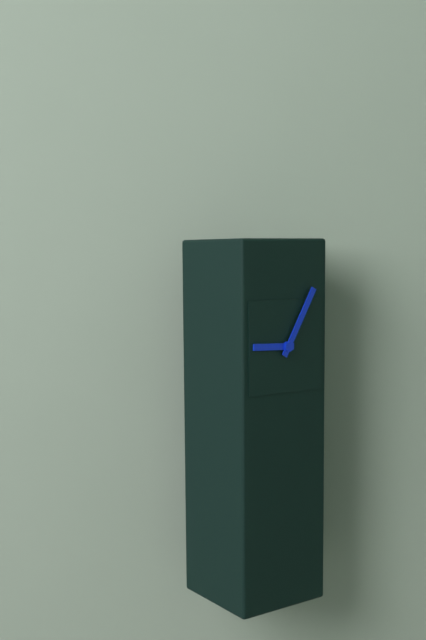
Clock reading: 9.05
